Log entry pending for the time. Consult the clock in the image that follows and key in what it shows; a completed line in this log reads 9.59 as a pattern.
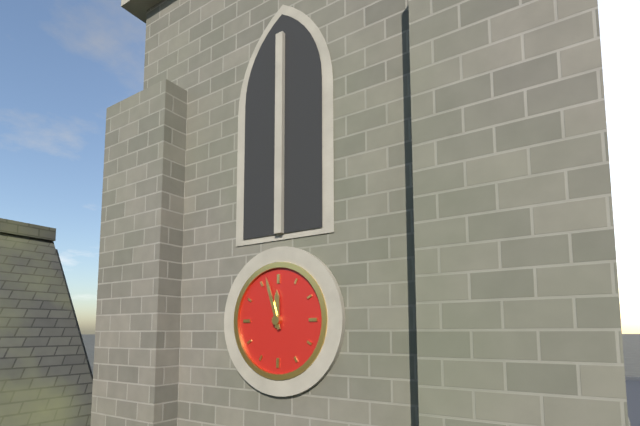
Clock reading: 11.57
